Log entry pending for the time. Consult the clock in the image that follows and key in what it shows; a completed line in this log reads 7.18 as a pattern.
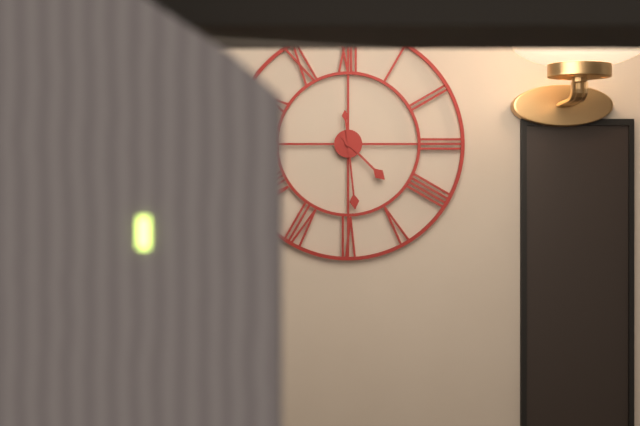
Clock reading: 4.29
